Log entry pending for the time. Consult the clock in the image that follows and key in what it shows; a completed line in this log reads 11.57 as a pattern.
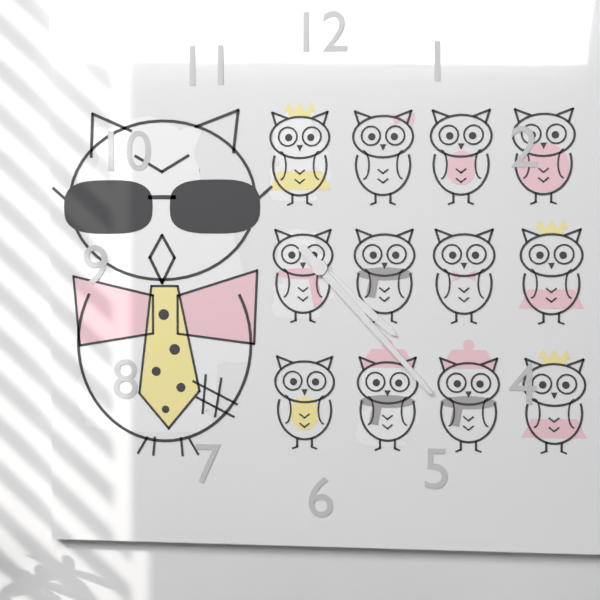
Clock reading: 4.23
